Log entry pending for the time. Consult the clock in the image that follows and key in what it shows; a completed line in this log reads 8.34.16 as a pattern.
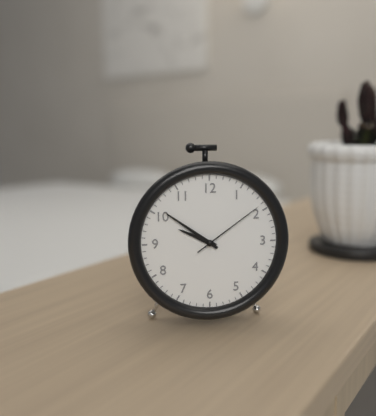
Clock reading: 9.51.09
